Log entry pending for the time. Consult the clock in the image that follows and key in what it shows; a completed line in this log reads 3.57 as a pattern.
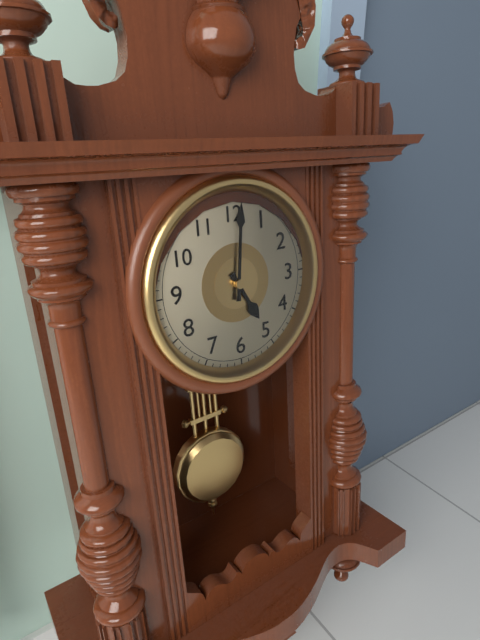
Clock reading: 5.01
